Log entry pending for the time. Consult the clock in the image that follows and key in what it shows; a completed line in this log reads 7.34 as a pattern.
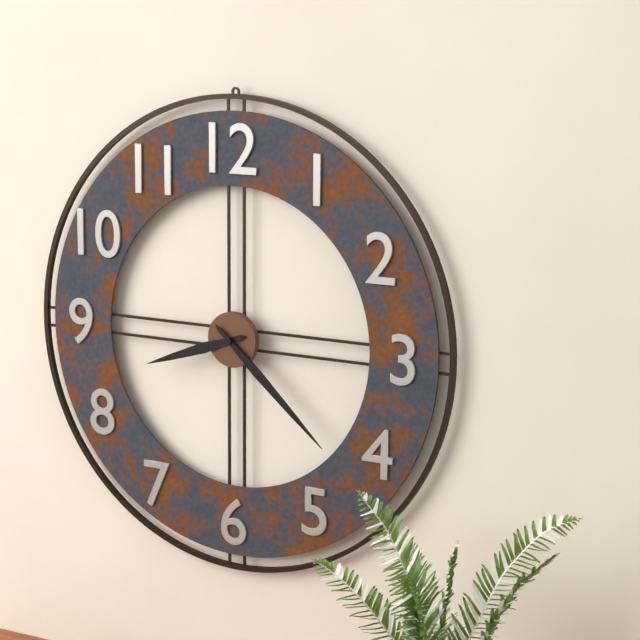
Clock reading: 8.22
